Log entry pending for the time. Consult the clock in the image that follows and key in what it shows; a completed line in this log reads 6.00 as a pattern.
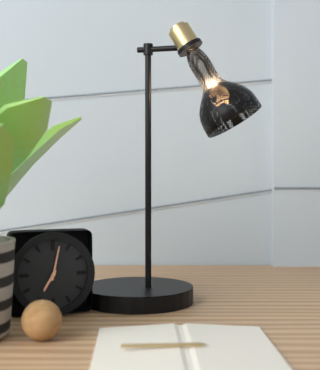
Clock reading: 7.02
